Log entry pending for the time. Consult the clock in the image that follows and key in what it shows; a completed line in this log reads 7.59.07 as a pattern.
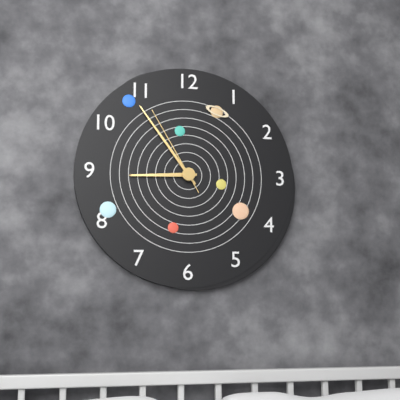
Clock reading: 8.54.55
